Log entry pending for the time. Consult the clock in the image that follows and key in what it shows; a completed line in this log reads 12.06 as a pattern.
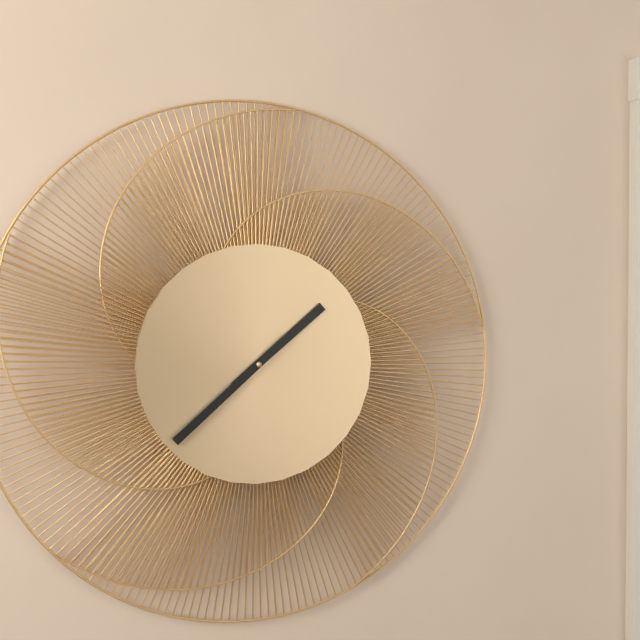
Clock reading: 1.38
